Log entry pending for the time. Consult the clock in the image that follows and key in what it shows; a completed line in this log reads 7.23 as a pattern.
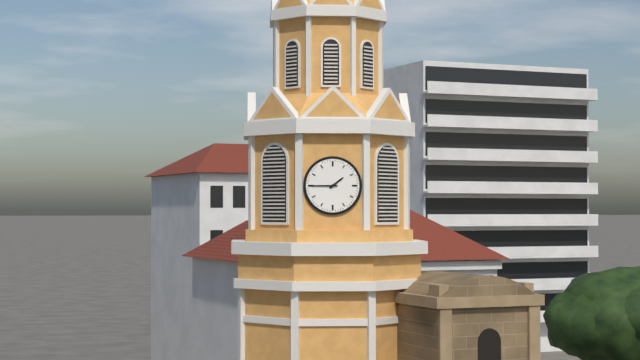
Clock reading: 1.45
